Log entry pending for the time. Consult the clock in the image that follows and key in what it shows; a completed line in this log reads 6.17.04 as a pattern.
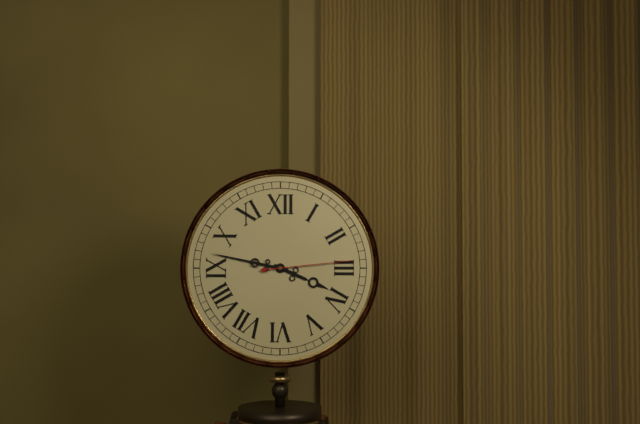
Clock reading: 3.47.14
